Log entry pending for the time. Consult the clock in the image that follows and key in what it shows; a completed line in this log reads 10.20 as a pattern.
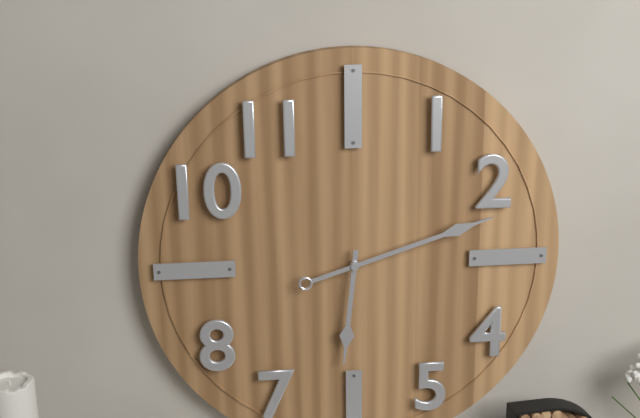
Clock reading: 6.12
